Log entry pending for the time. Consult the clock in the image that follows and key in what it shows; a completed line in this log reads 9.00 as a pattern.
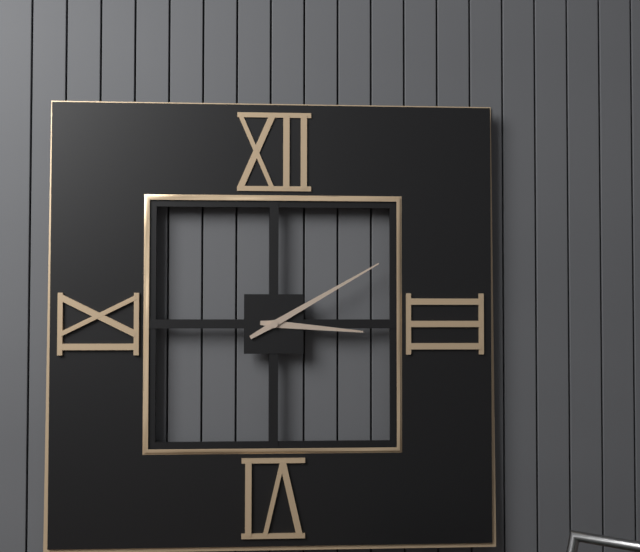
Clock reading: 3.10
